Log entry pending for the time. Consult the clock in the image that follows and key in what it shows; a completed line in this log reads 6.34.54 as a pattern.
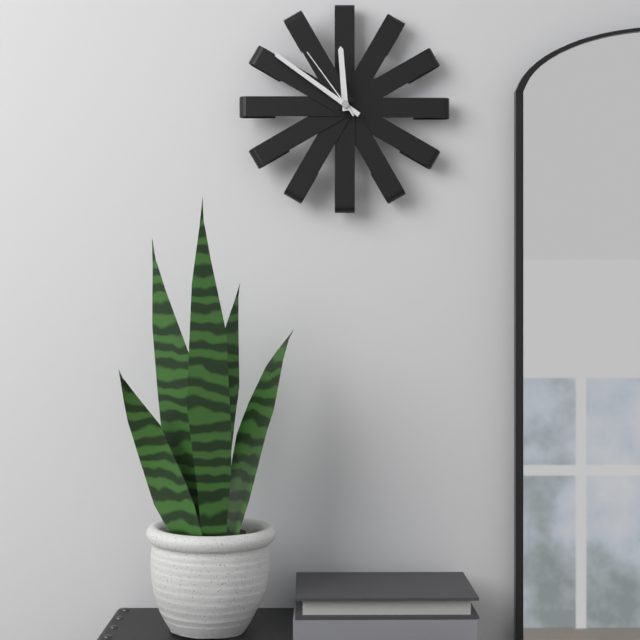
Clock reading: 11.51.54
